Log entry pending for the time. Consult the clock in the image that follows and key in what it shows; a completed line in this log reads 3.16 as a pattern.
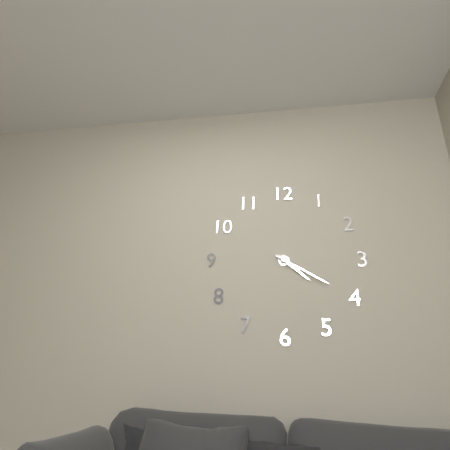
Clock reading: 4.20
